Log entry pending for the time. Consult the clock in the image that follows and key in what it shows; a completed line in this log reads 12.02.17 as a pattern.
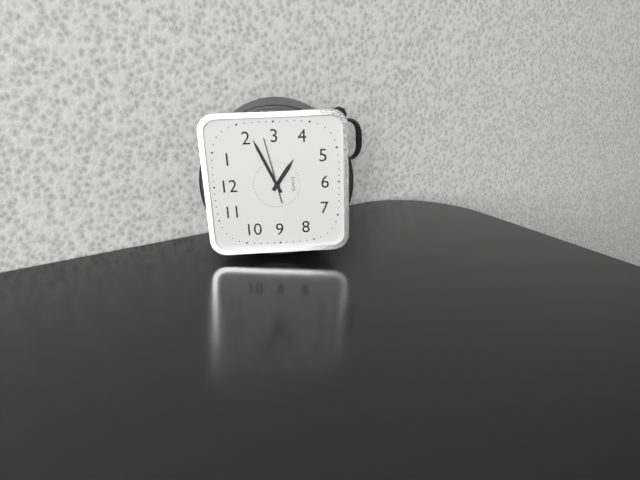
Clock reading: 4.11.13
